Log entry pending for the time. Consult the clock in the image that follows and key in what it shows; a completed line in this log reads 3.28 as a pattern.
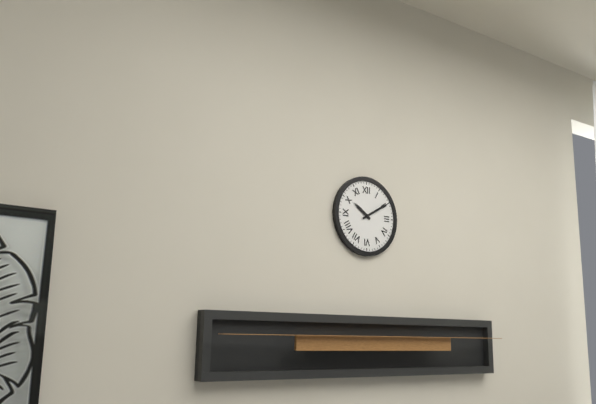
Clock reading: 10.10
